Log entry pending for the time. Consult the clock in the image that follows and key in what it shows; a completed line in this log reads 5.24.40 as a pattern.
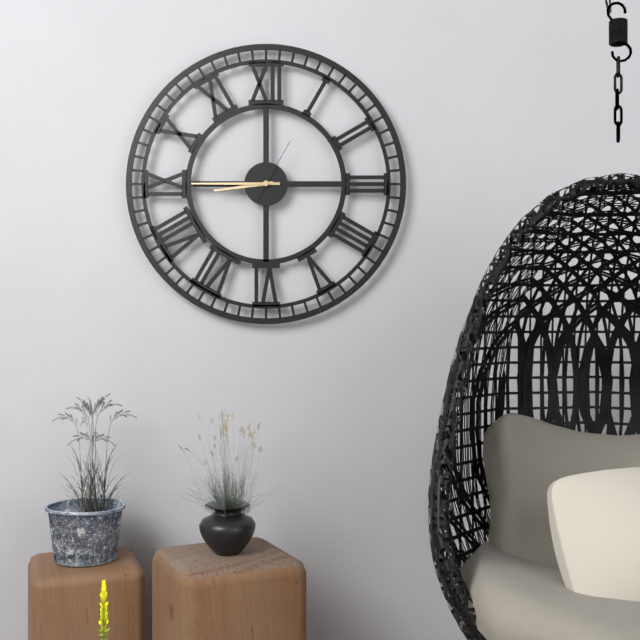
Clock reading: 8.45.05
